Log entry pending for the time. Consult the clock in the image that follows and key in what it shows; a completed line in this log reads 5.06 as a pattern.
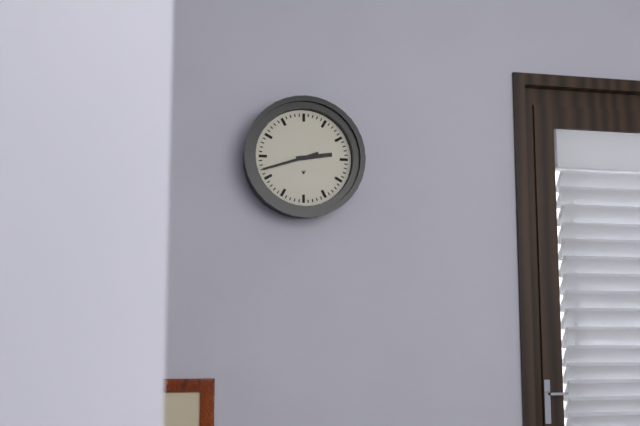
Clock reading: 2.42
